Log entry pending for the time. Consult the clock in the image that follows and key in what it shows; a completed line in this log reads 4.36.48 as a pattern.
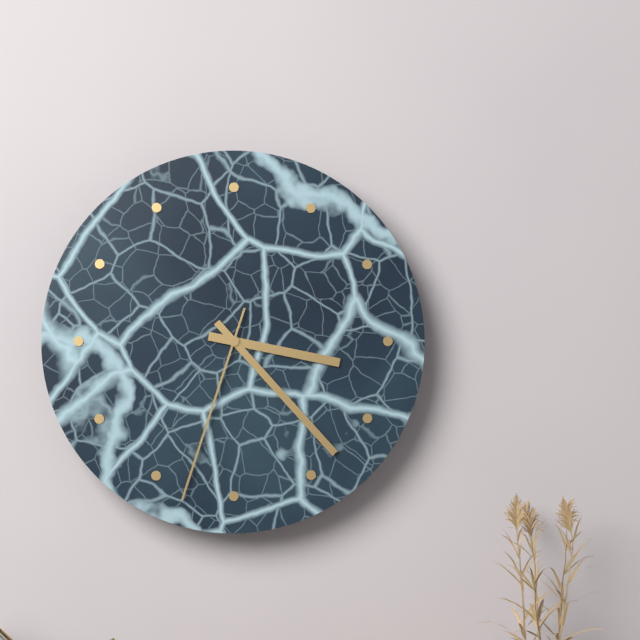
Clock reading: 3.23.33
